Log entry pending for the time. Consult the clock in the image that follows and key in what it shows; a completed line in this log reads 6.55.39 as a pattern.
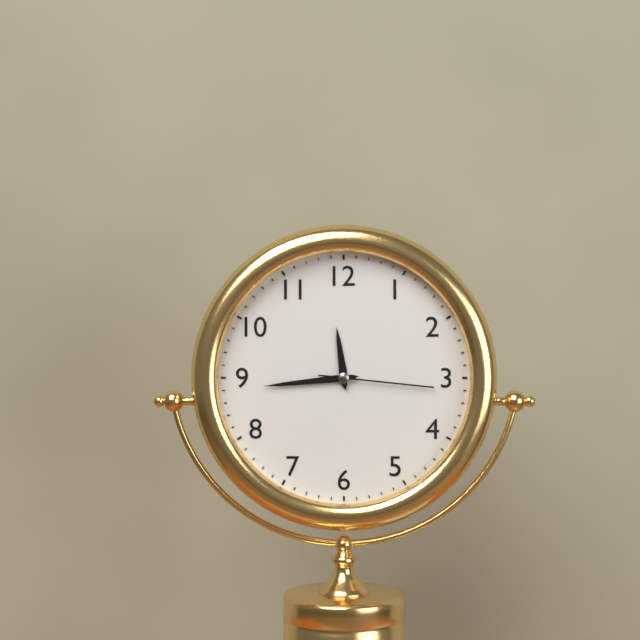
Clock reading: 11.44.16
